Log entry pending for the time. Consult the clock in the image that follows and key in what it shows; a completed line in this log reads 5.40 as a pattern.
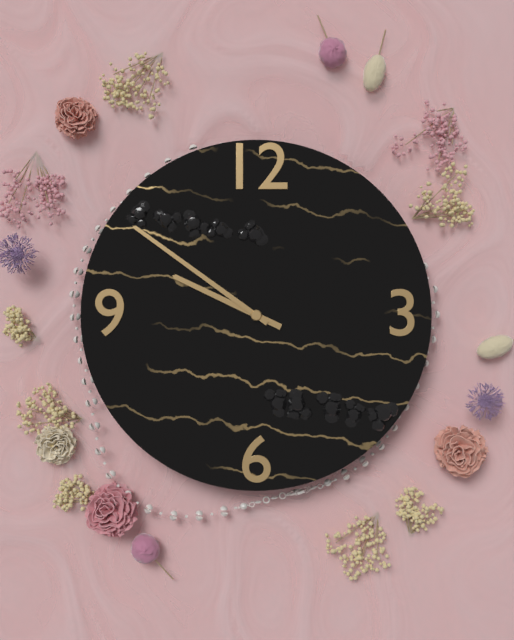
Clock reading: 9.51
